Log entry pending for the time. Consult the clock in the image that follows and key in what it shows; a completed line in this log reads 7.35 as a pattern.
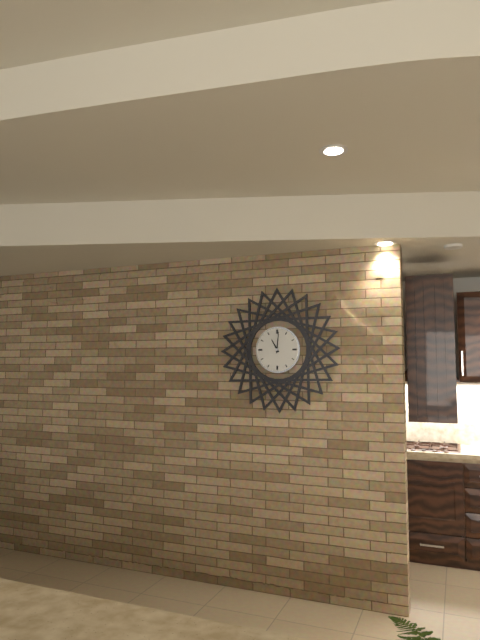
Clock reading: 11.01
